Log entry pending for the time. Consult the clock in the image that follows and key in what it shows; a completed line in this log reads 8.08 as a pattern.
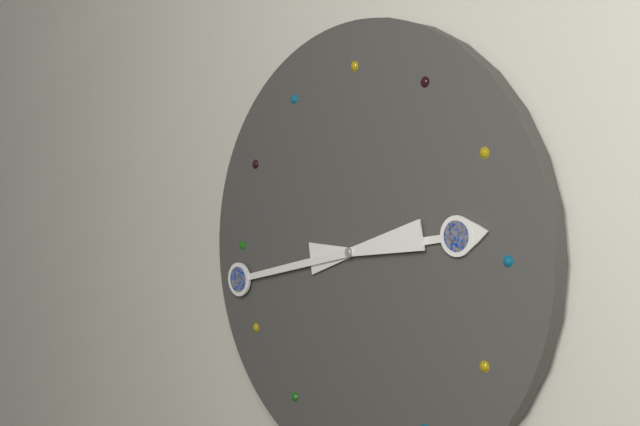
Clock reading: 2.43
